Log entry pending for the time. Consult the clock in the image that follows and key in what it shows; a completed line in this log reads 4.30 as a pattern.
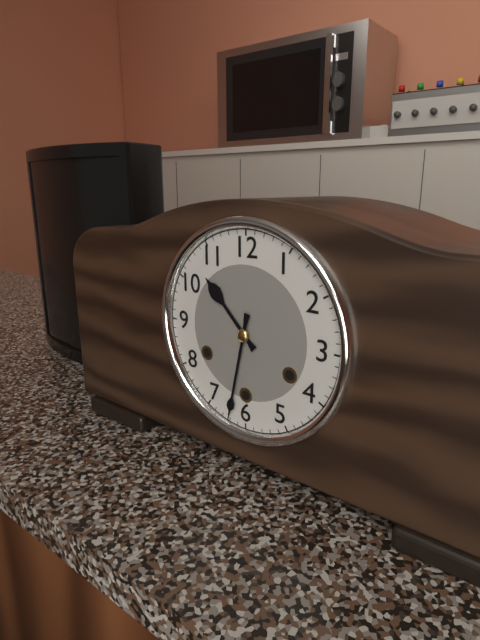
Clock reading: 10.32
